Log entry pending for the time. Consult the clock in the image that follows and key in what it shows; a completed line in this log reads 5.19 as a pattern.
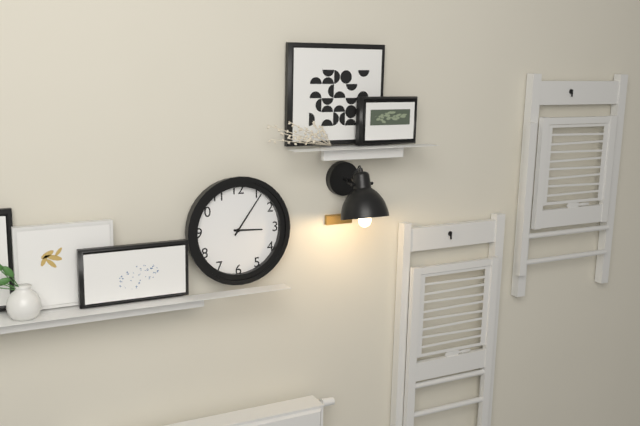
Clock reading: 3.06
